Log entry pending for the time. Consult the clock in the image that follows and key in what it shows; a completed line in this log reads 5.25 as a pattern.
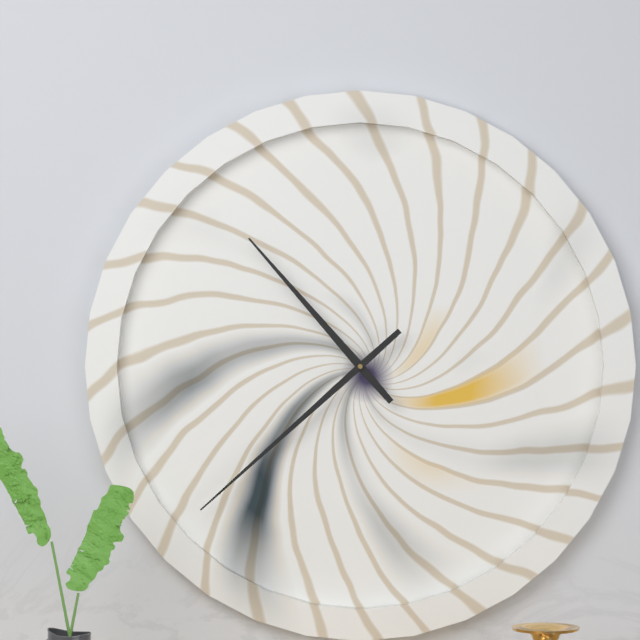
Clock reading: 10.38
